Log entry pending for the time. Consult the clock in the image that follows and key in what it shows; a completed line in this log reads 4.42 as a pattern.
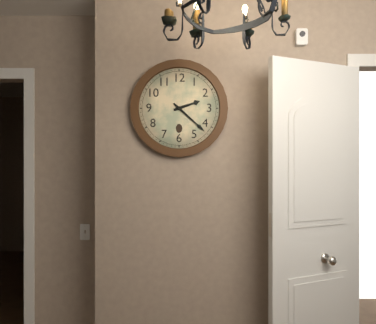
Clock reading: 2.22
